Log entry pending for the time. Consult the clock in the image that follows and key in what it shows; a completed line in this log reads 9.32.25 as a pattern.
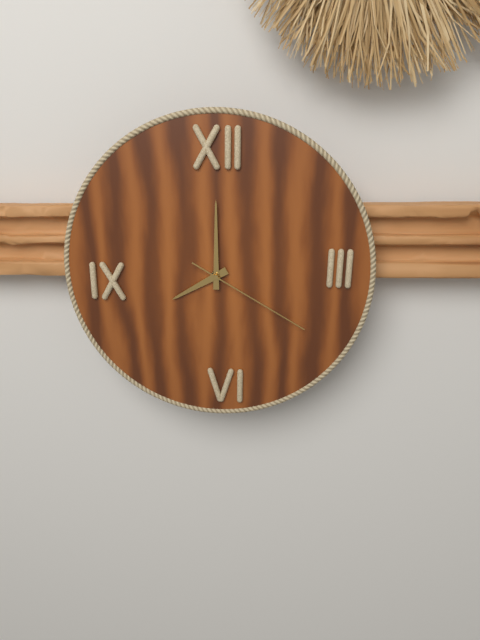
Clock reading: 8.00.20
